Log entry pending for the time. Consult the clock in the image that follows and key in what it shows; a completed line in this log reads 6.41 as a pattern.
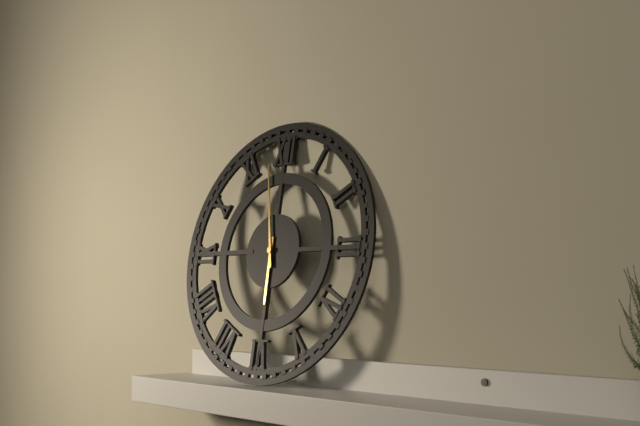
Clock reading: 5.58
